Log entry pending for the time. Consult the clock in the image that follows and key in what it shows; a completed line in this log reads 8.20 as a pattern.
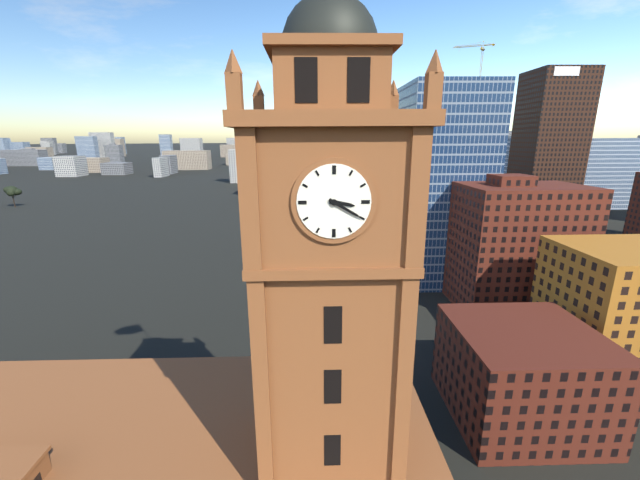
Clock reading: 3.20
